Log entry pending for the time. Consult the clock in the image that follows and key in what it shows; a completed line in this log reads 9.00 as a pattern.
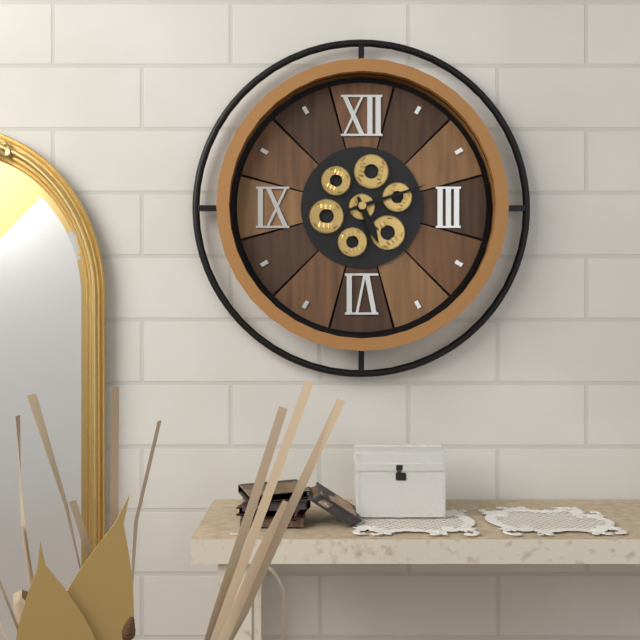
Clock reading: 5.12
